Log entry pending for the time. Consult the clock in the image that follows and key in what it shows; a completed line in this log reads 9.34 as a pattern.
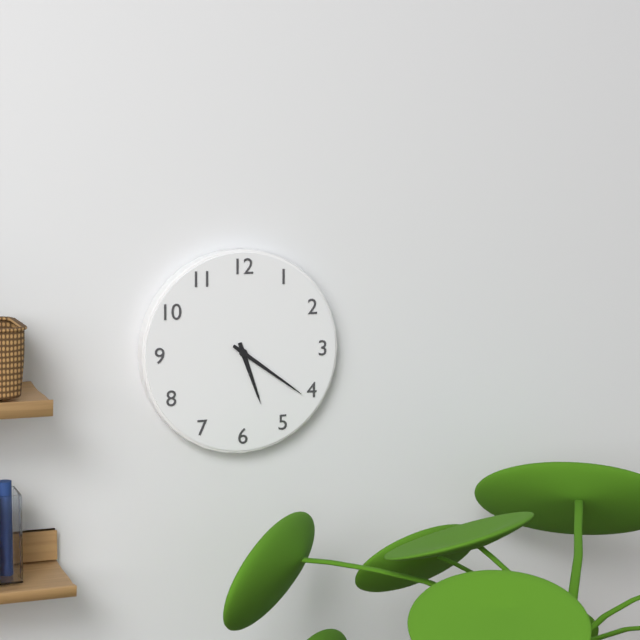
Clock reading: 5.21
